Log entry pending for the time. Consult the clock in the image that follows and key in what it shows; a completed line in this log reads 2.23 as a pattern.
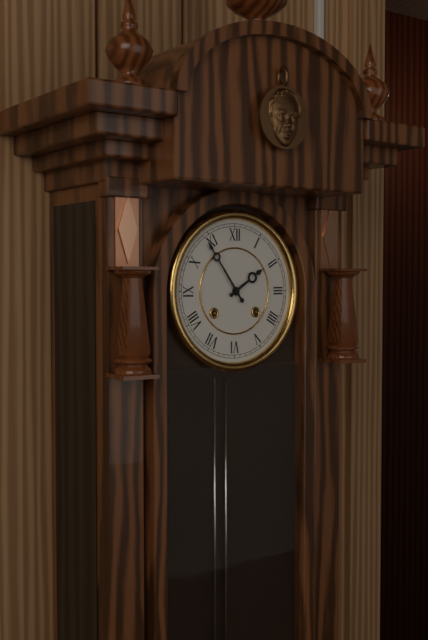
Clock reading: 1.54
